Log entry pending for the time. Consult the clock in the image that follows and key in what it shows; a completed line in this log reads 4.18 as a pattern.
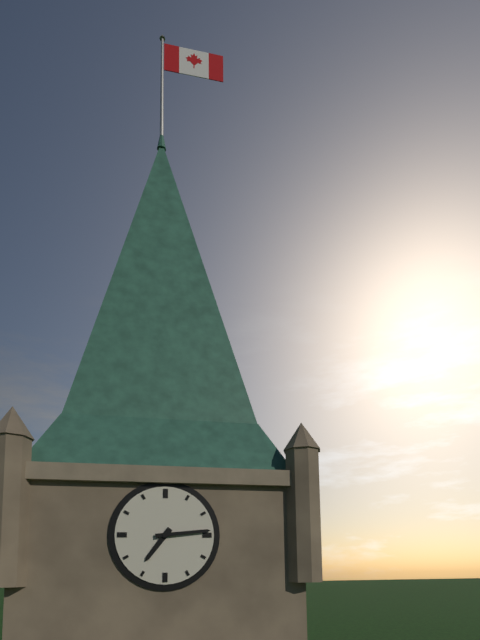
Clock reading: 7.14
